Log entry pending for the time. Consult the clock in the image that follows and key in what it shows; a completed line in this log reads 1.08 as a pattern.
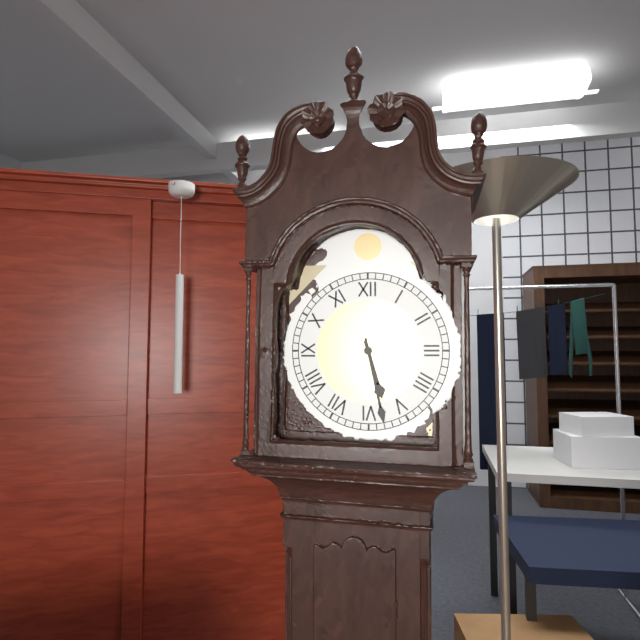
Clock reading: 5.28
